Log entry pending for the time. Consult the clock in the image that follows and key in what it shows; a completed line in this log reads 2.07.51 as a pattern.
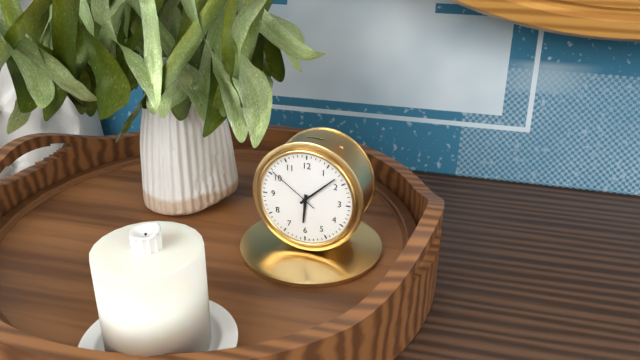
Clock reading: 6.08.51
